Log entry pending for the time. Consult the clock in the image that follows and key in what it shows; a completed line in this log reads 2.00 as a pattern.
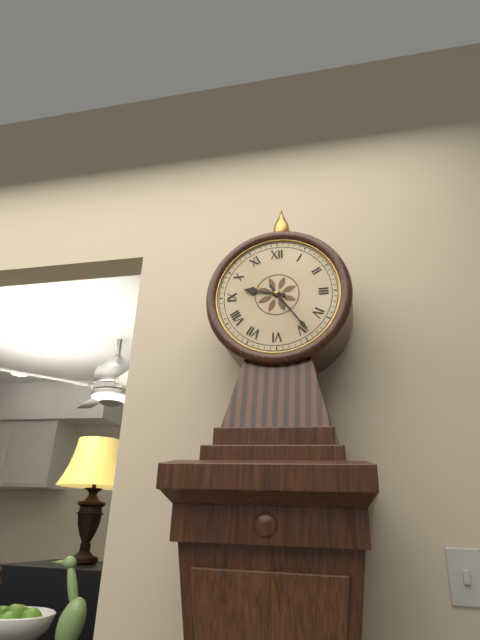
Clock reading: 9.24
